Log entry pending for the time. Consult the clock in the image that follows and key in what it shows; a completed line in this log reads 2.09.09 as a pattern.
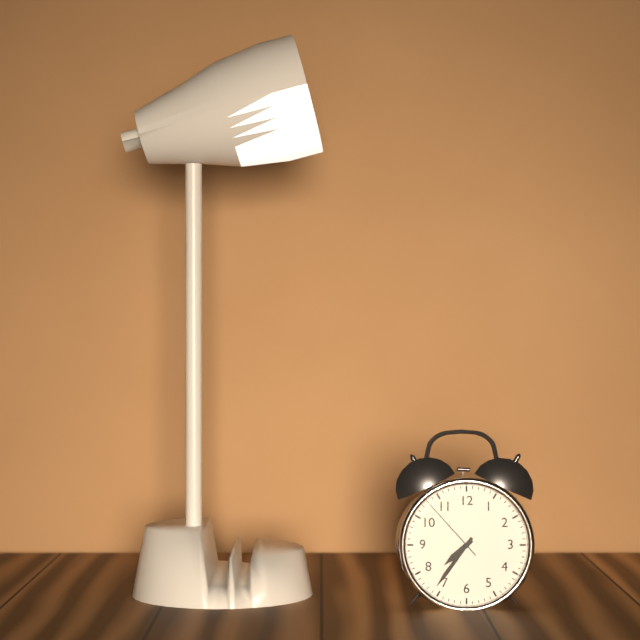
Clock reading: 7.36.53
